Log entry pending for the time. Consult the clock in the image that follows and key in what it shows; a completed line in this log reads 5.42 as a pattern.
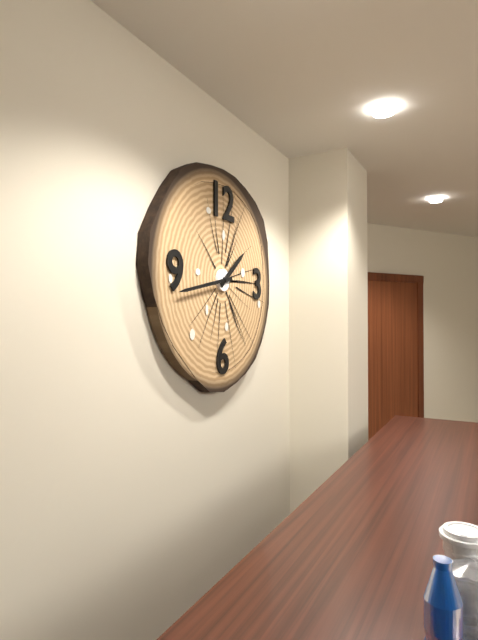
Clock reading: 1.43
